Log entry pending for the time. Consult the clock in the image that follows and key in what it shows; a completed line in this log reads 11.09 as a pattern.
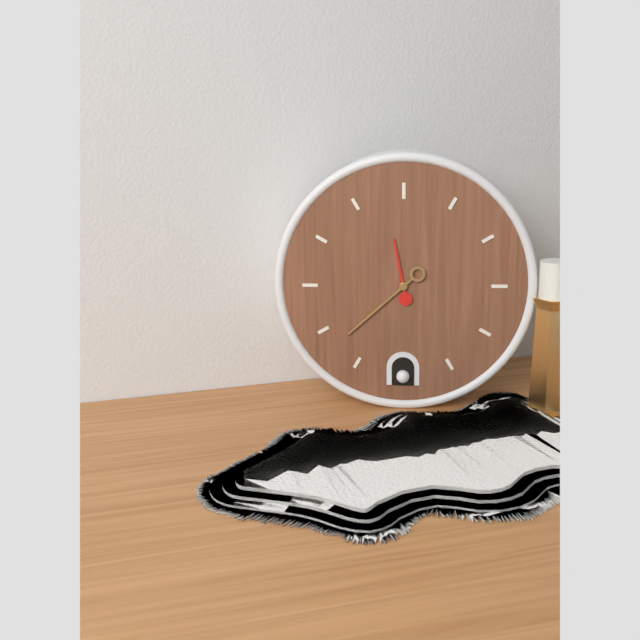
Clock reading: 11.38
